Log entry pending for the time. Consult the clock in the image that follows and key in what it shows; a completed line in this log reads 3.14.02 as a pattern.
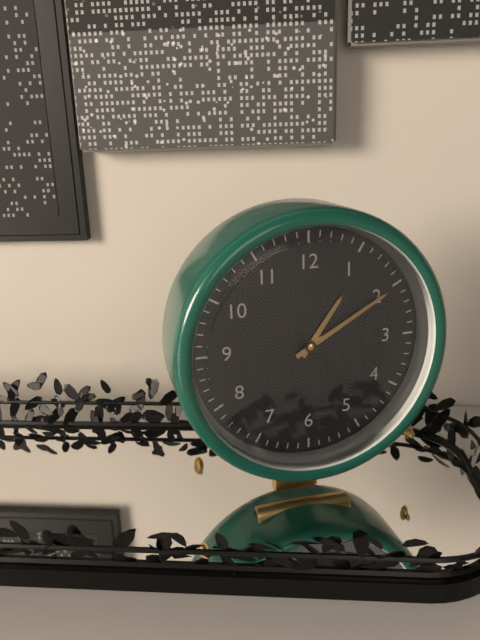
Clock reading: 1.10.23
